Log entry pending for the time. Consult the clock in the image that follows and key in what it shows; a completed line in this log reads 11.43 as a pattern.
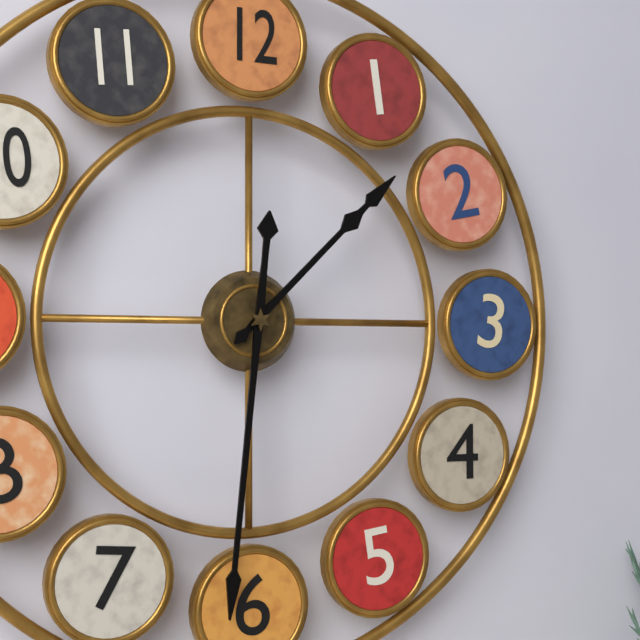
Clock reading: 1.31
